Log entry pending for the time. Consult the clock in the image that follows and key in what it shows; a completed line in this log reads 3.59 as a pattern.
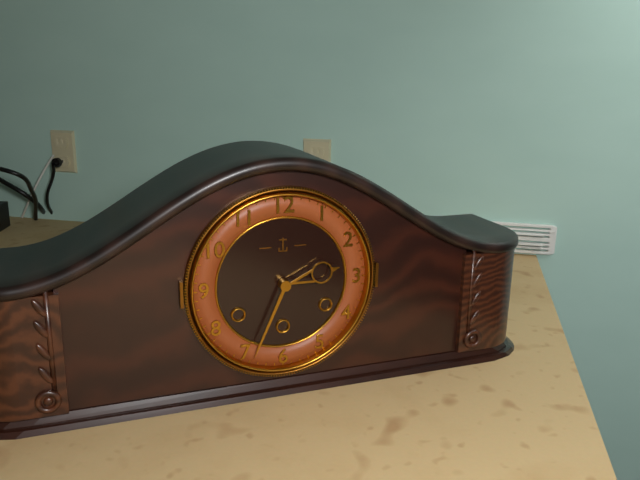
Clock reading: 2.34
